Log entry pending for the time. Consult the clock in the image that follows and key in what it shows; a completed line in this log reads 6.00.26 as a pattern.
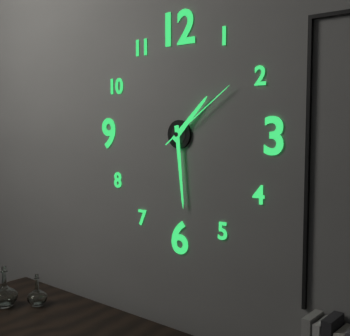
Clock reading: 1.29.09
